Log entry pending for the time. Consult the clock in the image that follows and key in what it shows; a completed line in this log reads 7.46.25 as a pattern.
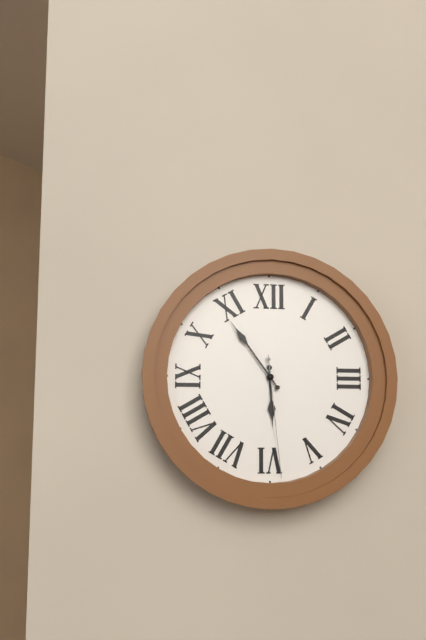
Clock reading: 5.54.29
